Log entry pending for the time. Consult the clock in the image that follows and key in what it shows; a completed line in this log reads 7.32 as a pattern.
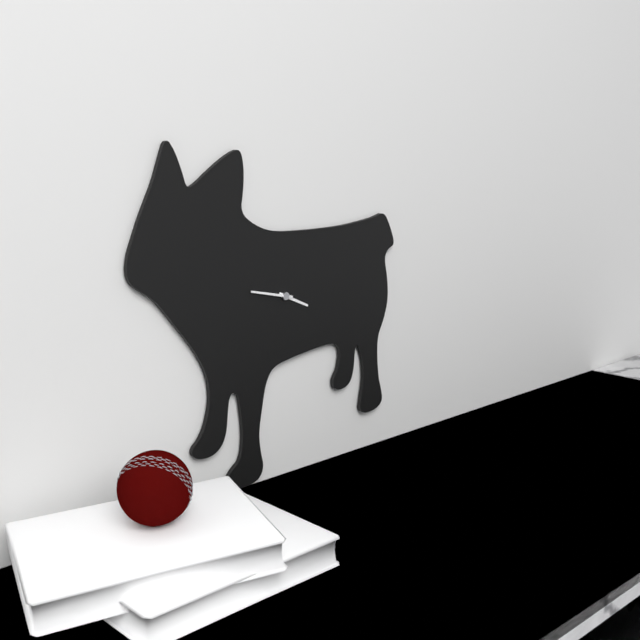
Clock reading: 3.47
